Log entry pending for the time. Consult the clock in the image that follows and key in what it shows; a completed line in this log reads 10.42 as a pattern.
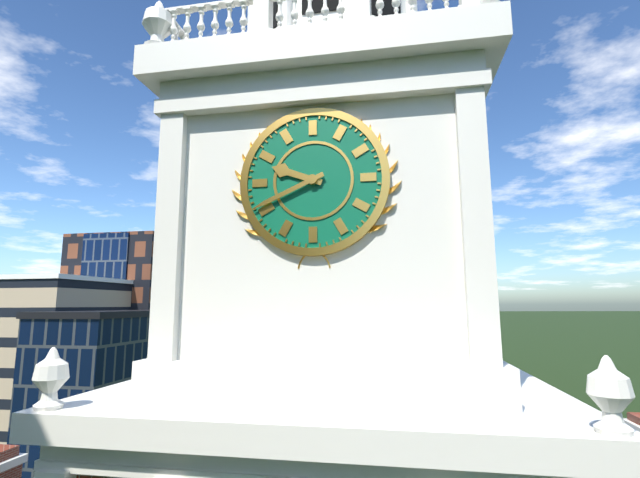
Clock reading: 9.41
